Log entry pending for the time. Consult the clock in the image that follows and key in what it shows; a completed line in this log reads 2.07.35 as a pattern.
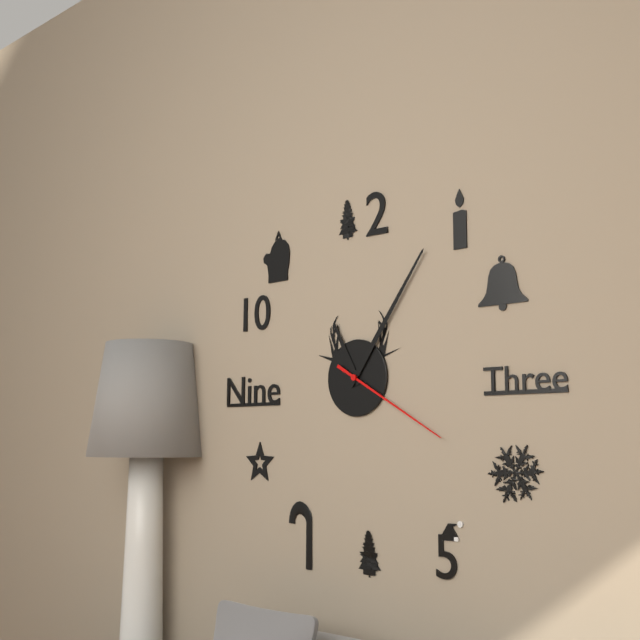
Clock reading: 11.06.20
